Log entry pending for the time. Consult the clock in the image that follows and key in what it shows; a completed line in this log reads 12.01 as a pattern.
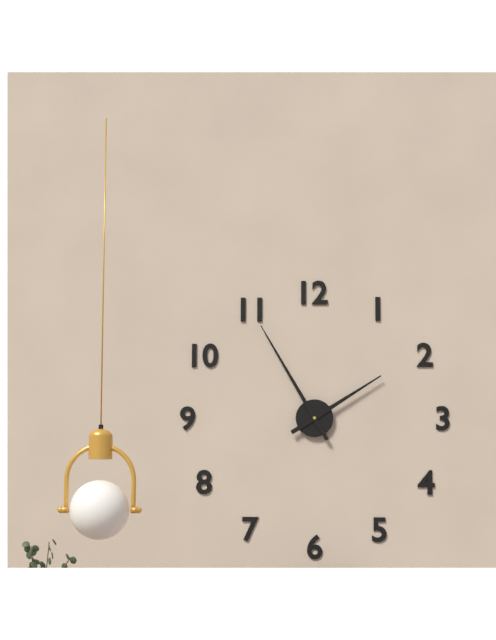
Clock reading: 1.55
